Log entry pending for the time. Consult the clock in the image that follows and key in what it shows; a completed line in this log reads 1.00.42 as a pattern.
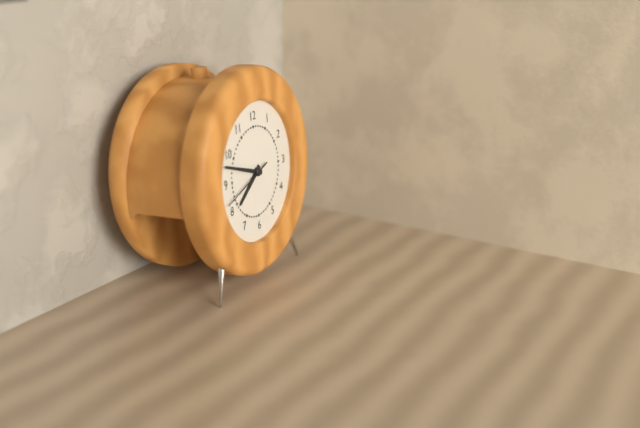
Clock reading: 7.48.42
